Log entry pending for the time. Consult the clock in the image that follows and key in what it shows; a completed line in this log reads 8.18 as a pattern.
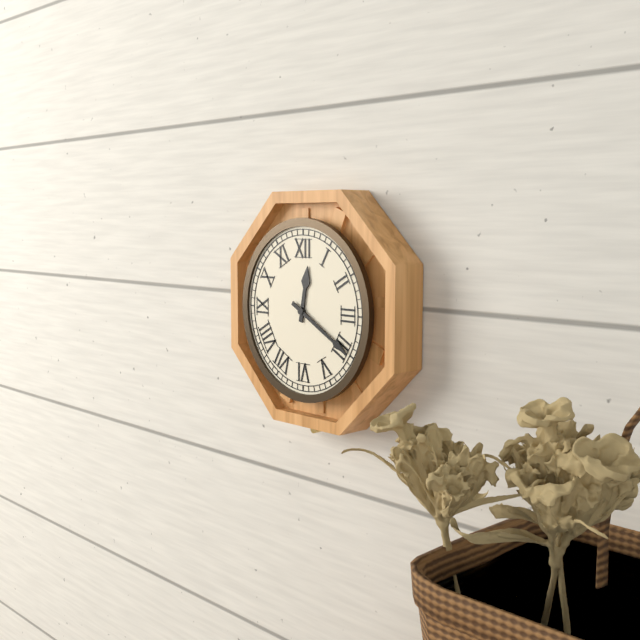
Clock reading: 12.20
